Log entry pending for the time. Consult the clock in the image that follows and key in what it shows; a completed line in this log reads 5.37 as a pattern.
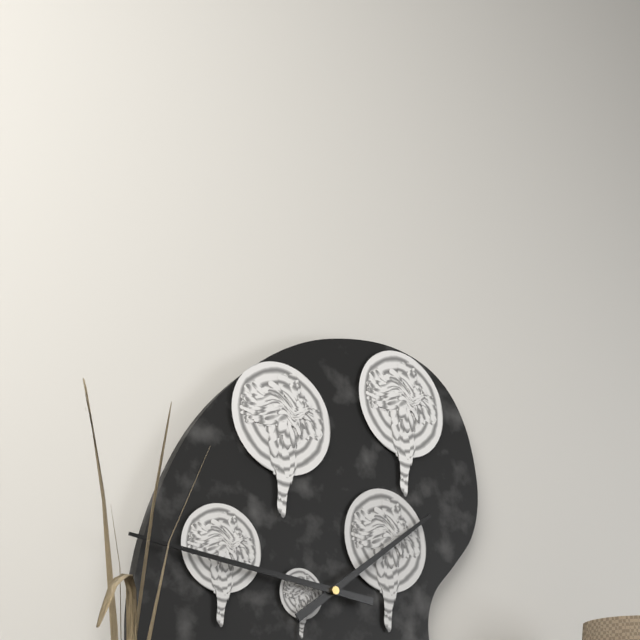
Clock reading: 1.46
